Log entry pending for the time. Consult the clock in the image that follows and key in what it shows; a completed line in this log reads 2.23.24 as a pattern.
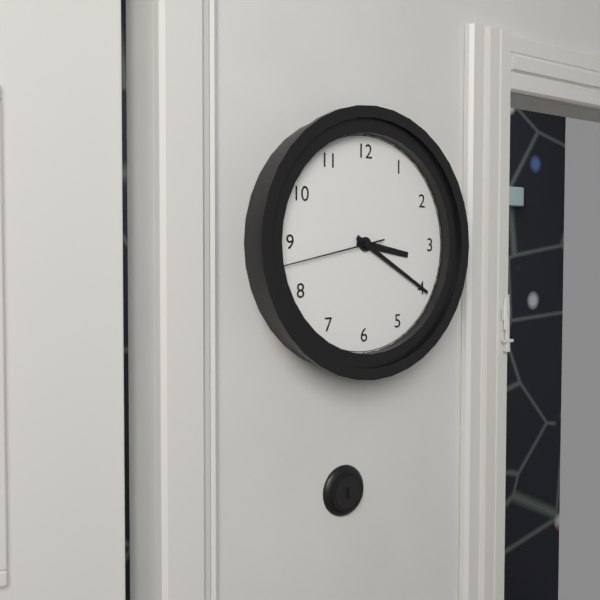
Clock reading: 3.20.43
